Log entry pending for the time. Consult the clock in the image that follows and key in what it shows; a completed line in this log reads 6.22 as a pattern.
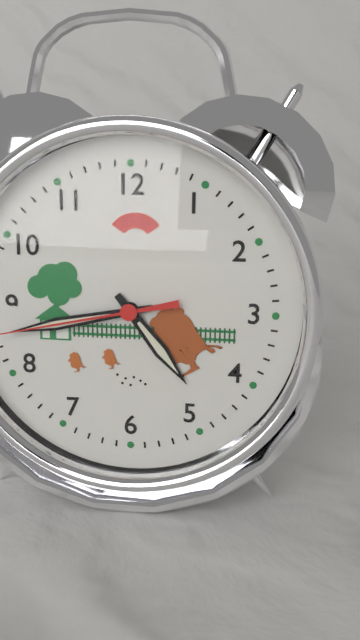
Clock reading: 4.43
